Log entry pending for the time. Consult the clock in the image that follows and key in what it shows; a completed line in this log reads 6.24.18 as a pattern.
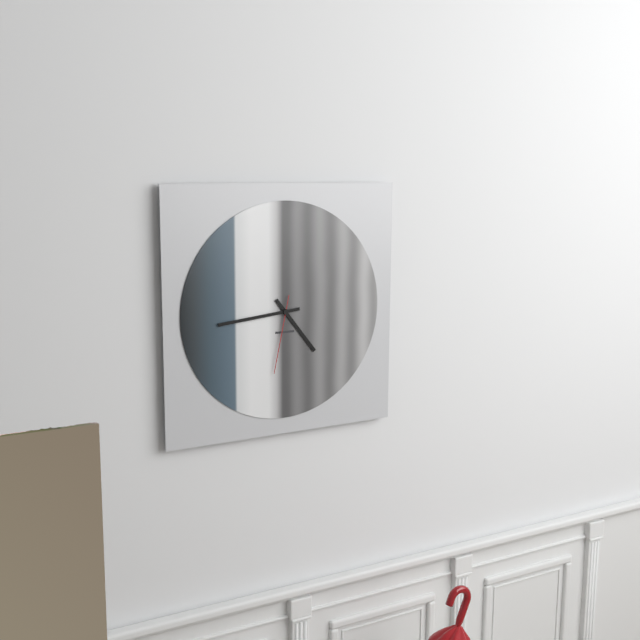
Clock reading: 4.44.32
